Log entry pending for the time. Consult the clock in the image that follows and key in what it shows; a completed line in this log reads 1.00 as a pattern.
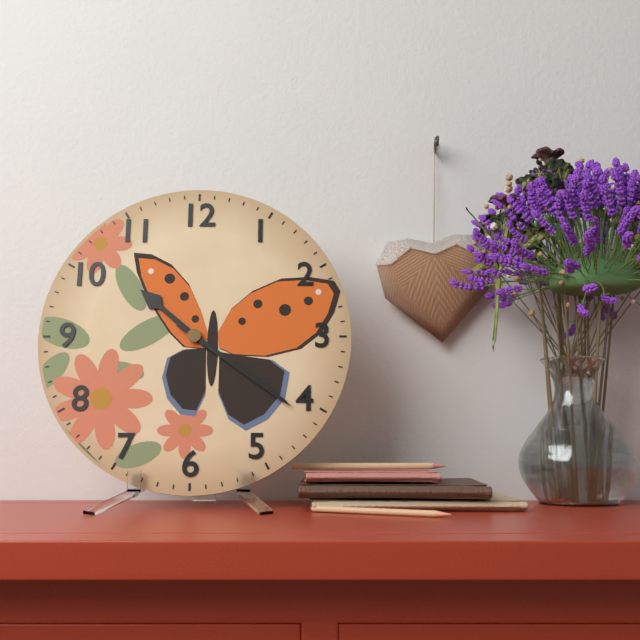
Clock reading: 10.21
